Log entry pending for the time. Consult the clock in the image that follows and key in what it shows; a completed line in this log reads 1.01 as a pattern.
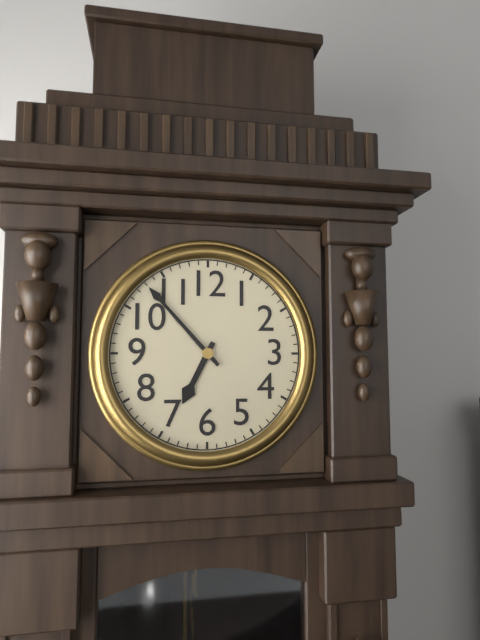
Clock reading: 6.53
